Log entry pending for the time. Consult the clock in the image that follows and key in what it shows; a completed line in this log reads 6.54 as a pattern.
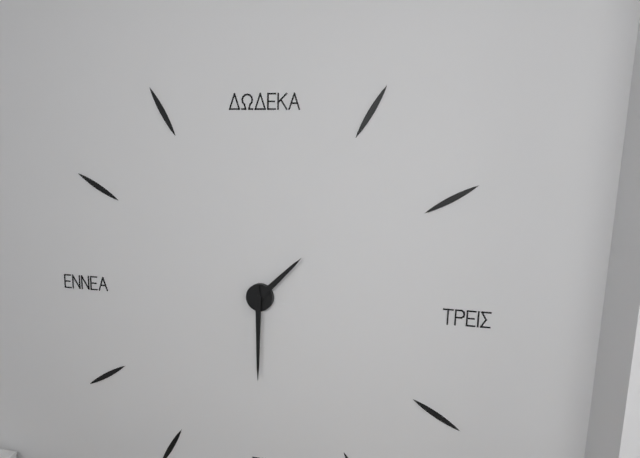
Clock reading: 1.30
